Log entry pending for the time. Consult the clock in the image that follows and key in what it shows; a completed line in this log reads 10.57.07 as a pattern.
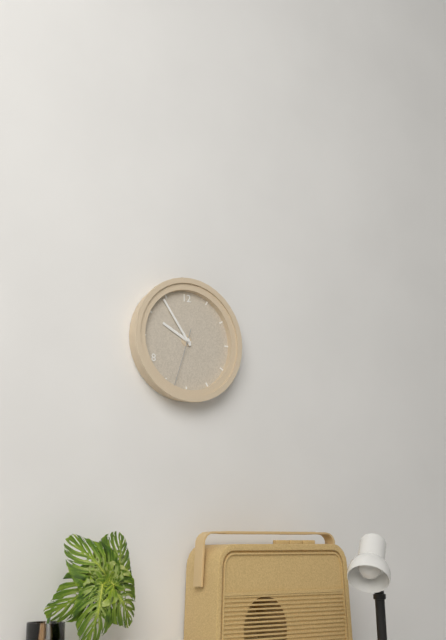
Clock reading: 9.54.33
